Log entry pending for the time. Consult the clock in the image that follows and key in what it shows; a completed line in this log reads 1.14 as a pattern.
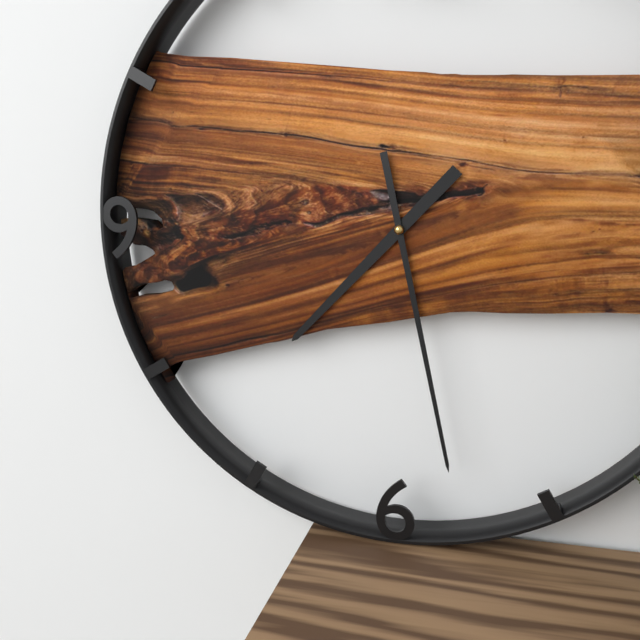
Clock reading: 7.28
